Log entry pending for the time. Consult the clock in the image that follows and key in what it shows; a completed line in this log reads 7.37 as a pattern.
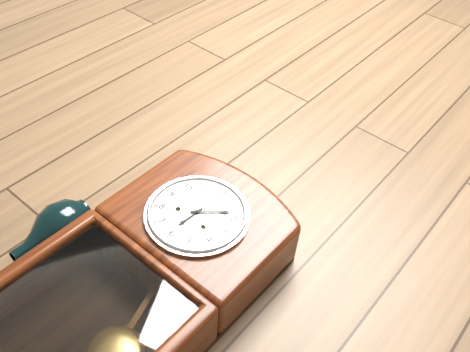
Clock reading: 6.08
